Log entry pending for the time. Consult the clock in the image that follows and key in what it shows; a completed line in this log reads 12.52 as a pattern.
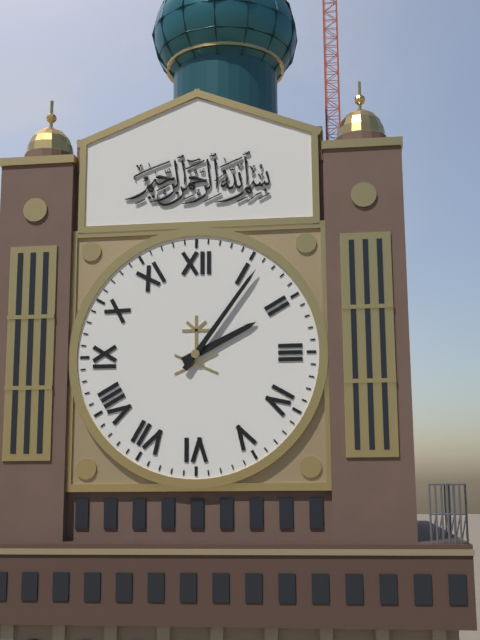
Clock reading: 2.06
